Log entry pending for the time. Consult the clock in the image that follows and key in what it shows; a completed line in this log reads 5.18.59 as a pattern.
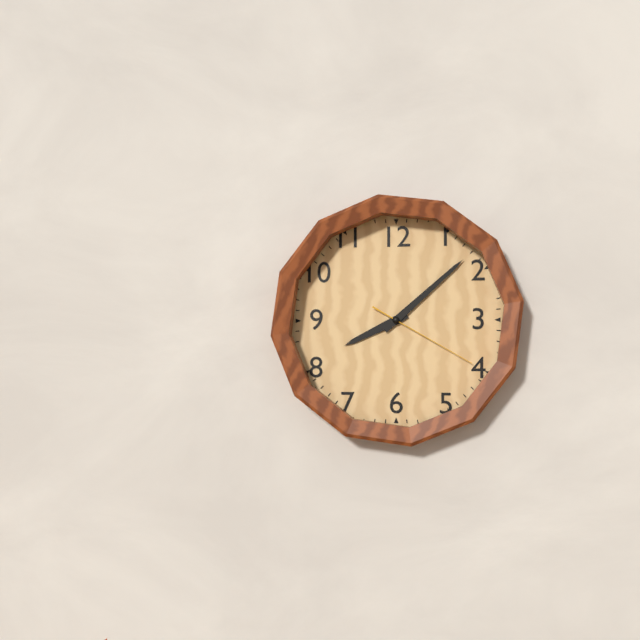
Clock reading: 8.08.20
